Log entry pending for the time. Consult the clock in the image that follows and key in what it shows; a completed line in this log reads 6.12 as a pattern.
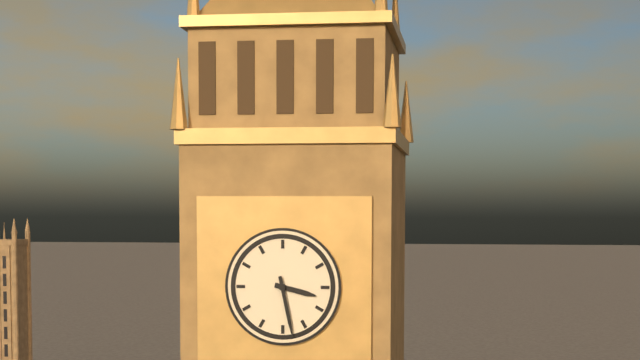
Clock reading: 3.28
